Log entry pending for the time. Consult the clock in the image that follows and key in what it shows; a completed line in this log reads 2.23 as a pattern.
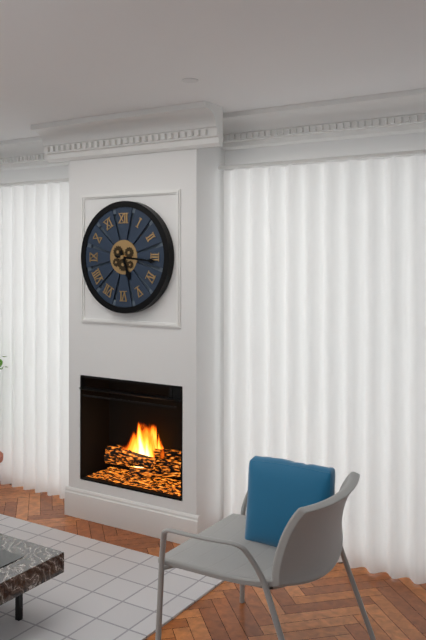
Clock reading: 5.16
